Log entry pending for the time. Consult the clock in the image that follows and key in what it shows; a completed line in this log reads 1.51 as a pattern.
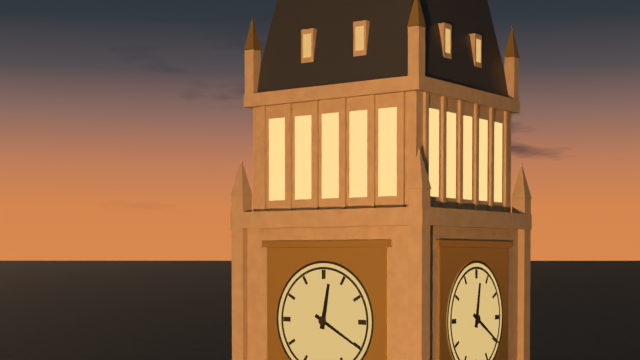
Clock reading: 12.20
